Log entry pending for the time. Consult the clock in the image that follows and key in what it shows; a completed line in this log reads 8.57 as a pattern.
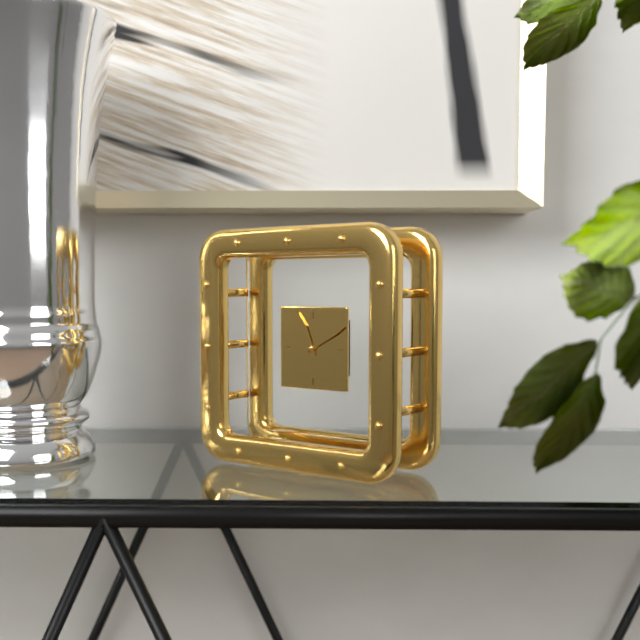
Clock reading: 11.10
